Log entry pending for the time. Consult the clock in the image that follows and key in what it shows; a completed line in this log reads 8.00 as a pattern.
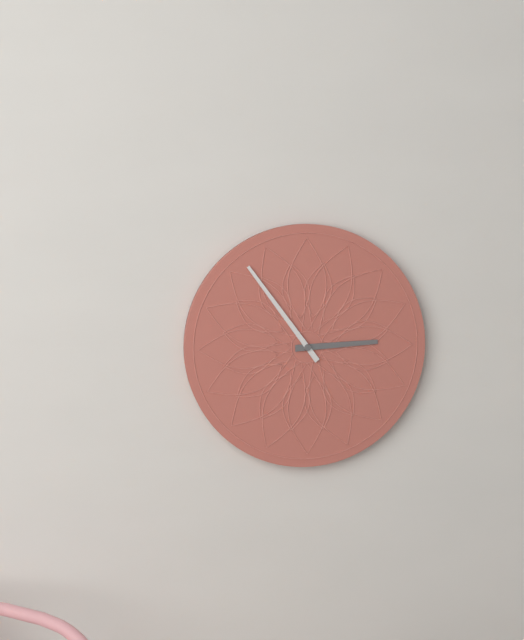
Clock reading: 2.54
